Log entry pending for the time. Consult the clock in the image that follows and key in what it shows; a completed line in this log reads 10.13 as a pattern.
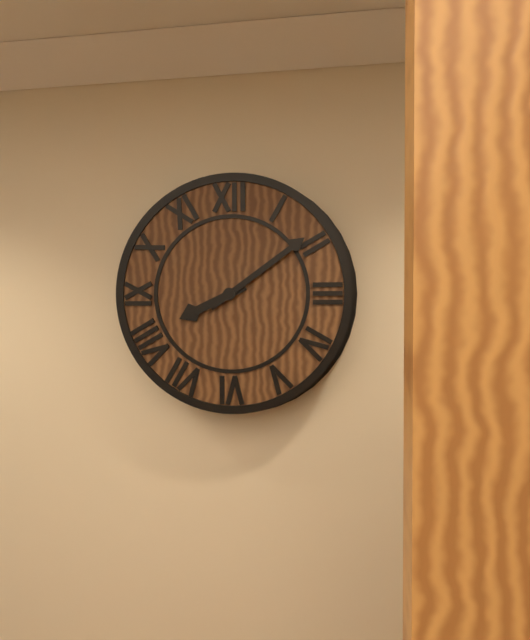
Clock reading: 8.09
